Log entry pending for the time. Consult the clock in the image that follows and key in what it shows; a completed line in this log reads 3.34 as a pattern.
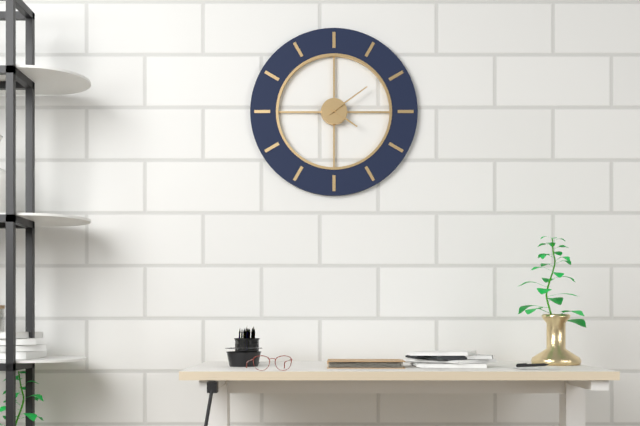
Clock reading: 4.09
